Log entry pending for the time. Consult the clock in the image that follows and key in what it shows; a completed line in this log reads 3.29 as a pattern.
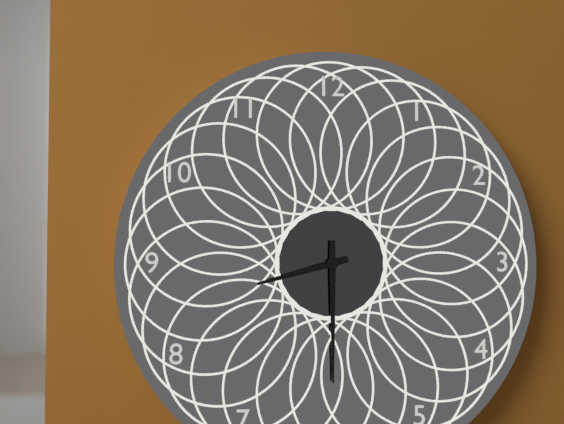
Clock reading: 8.30
